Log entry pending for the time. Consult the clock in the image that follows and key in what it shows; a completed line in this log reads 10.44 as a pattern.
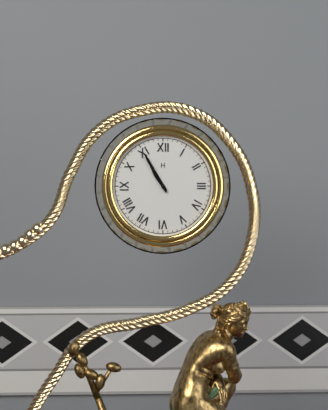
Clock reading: 10.55
